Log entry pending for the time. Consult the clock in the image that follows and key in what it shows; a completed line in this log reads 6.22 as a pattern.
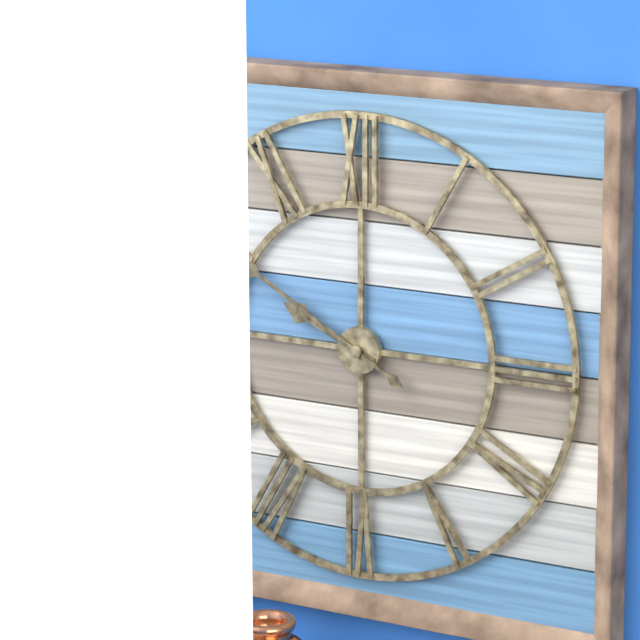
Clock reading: 9.50
